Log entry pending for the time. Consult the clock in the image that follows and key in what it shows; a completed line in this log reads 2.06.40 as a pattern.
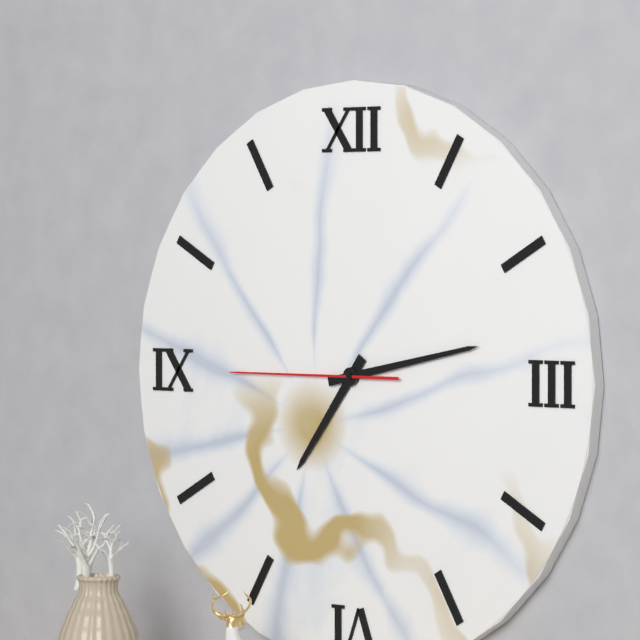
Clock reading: 7.13.45
